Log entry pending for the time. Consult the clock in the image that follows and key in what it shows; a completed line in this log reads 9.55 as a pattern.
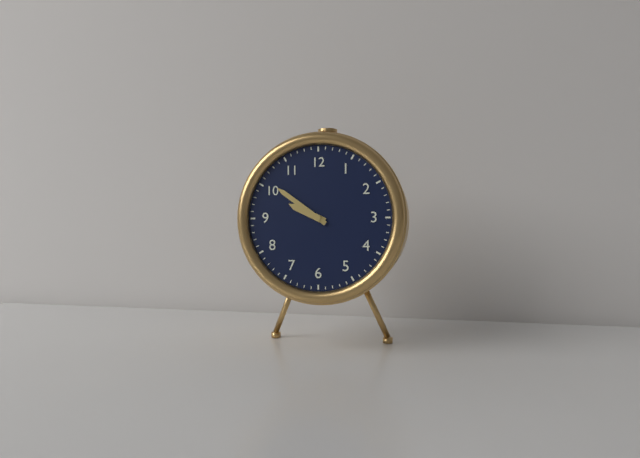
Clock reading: 9.51
